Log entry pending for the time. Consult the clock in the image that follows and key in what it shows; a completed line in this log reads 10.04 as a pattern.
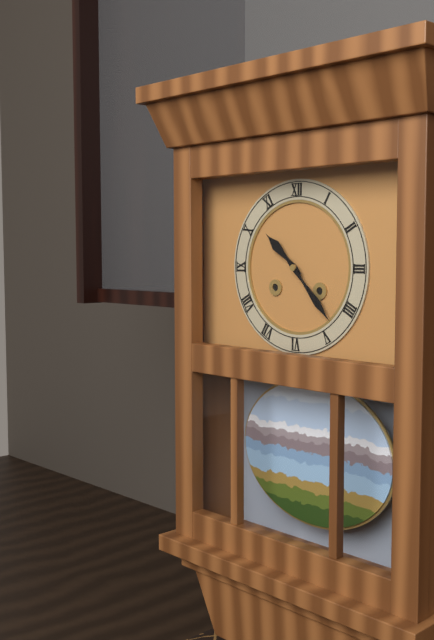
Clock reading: 10.23
